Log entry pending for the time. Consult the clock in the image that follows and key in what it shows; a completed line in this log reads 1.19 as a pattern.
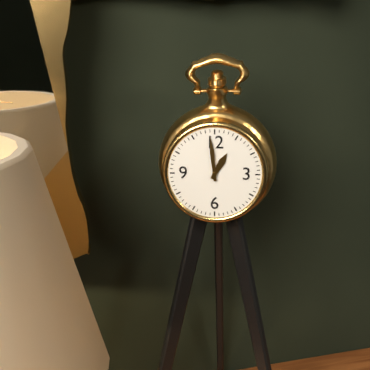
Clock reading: 12.59
